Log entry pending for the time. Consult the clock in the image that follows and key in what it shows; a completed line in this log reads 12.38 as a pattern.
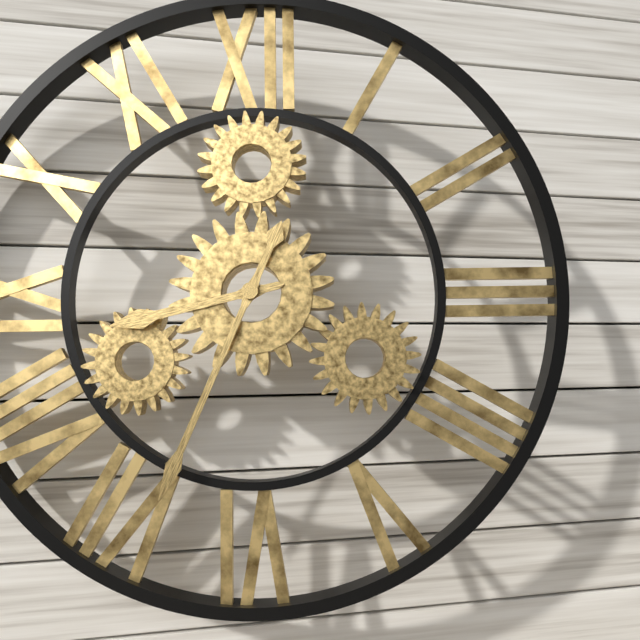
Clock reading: 8.34
